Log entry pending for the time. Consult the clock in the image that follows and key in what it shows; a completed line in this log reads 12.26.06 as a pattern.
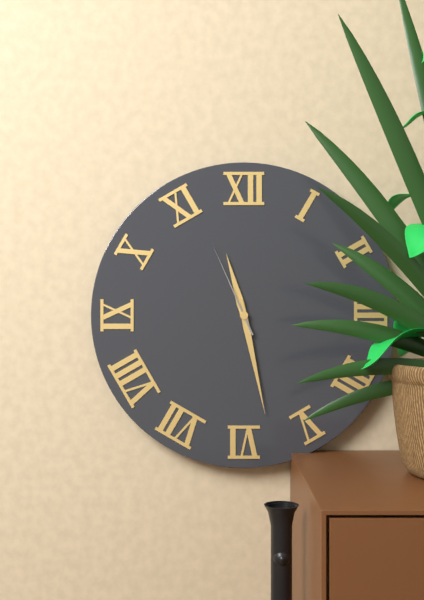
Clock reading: 11.28.56
